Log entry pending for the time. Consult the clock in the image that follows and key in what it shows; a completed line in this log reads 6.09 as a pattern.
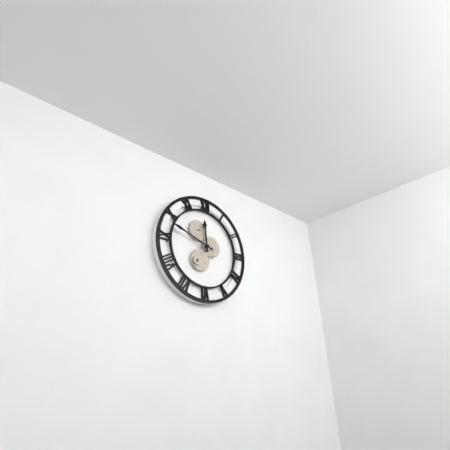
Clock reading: 11.48
